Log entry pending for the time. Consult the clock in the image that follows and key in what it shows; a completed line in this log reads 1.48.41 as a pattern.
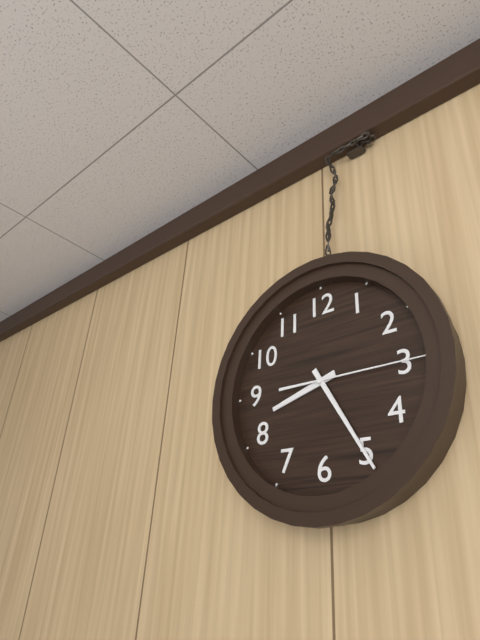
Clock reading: 8.25.15
